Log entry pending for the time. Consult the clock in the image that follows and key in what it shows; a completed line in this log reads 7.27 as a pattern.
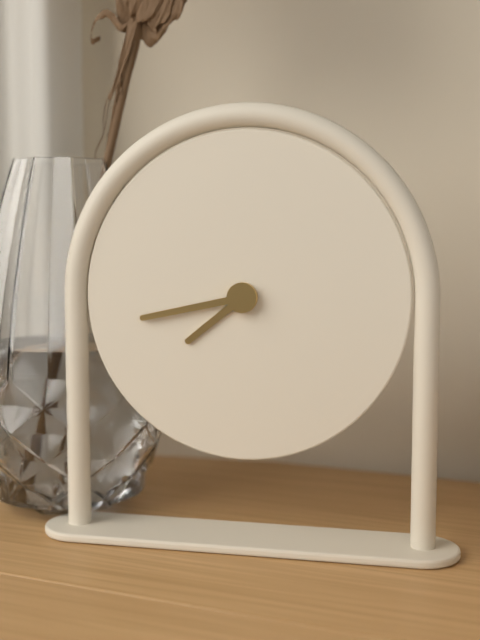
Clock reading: 7.43
